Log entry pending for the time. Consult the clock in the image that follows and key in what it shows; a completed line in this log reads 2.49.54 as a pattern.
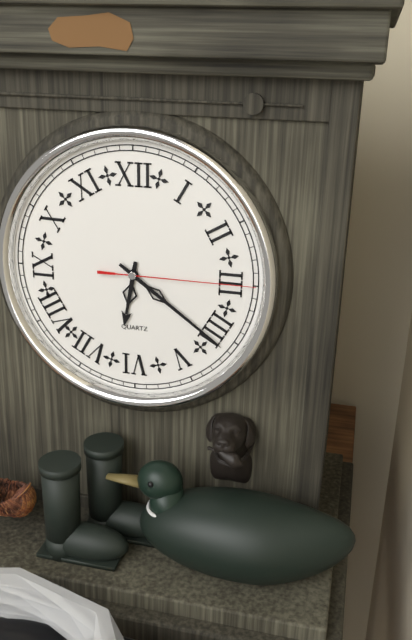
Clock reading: 6.21.15
